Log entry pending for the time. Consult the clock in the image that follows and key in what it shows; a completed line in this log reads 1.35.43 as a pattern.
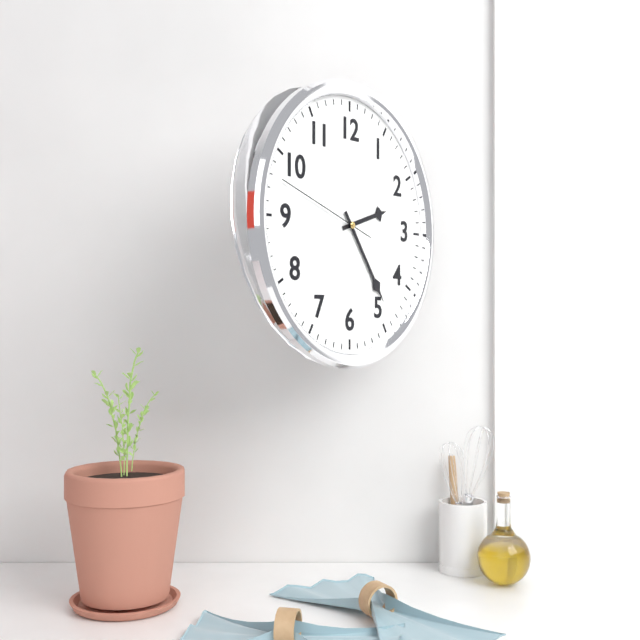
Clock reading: 2.24.48
